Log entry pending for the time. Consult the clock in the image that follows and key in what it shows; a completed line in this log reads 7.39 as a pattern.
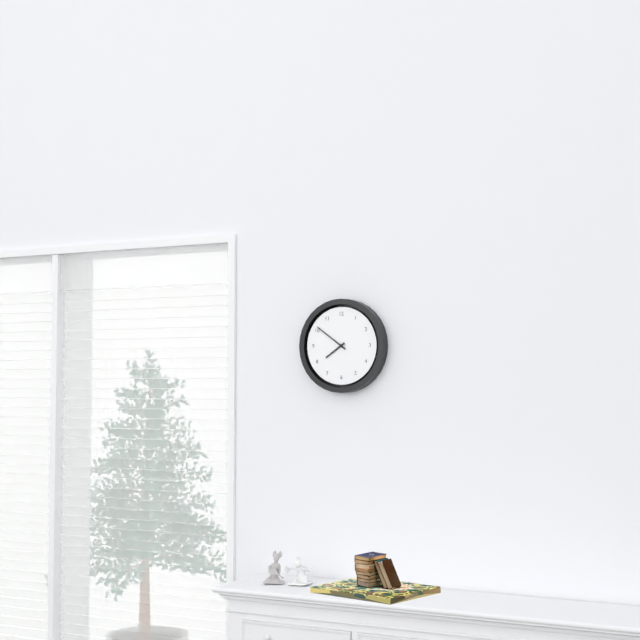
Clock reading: 7.51
